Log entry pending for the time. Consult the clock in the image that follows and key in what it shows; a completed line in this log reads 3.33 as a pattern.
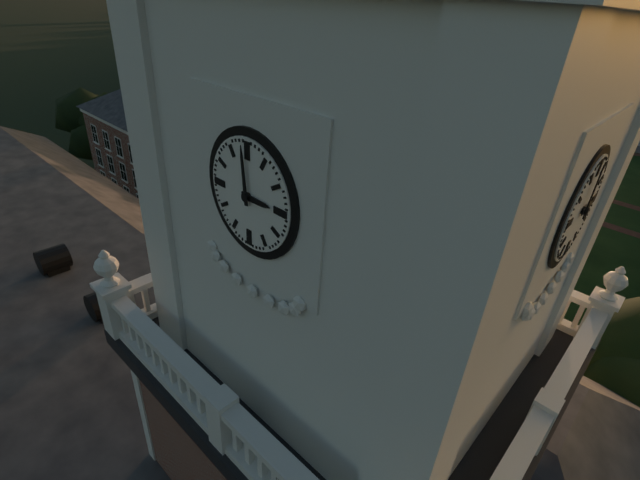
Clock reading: 2.59
